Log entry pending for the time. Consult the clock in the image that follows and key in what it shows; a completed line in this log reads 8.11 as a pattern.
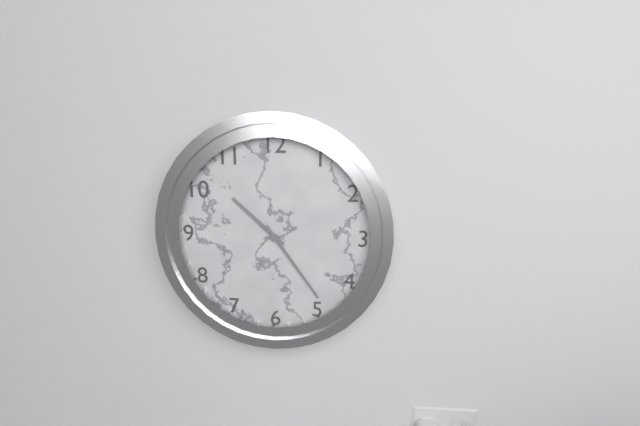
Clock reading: 10.24
